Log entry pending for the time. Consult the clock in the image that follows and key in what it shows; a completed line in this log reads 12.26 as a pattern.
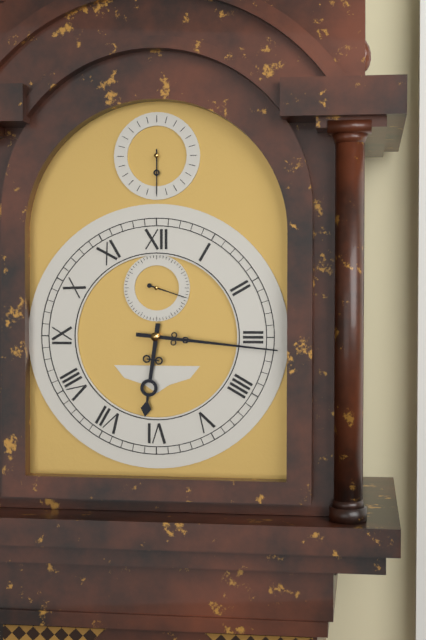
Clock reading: 6.16
